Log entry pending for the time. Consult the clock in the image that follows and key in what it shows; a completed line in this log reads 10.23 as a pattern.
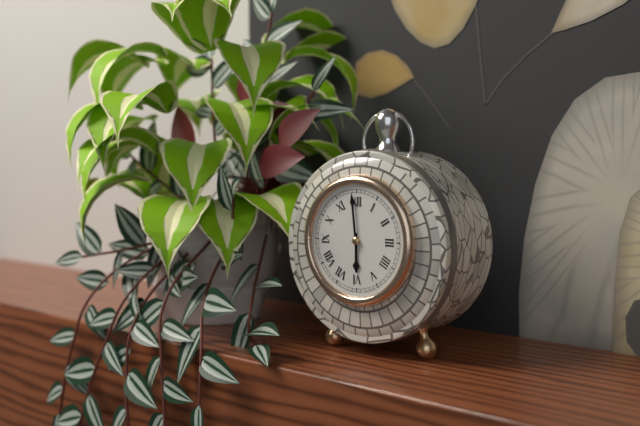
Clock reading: 5.59
